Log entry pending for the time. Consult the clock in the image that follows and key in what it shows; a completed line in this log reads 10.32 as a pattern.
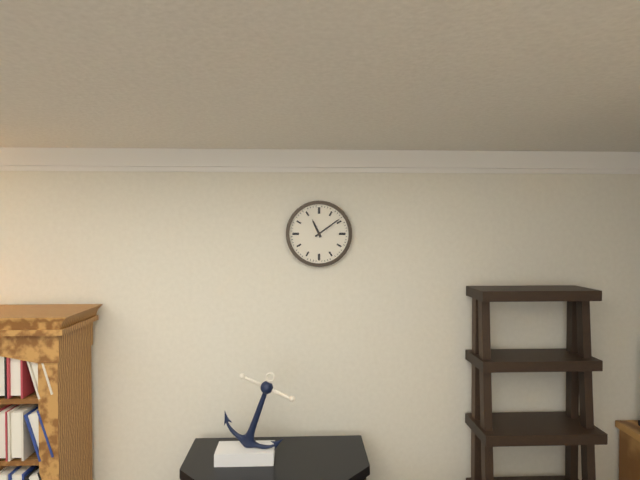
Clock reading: 11.09
